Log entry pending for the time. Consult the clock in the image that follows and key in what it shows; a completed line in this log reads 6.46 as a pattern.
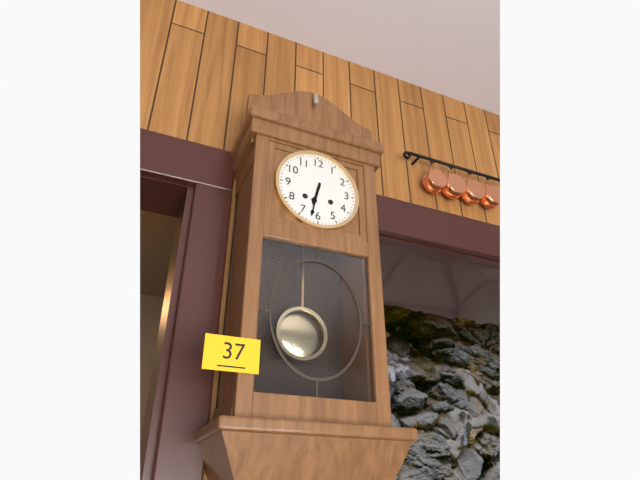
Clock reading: 6.32
